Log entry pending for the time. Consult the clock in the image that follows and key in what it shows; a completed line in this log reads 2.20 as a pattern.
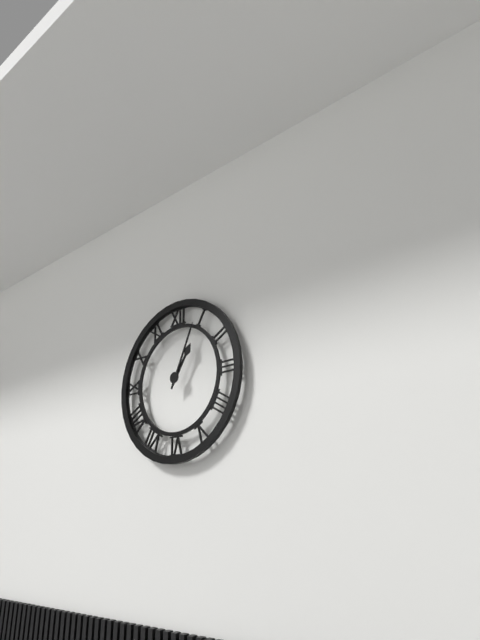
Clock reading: 1.04
